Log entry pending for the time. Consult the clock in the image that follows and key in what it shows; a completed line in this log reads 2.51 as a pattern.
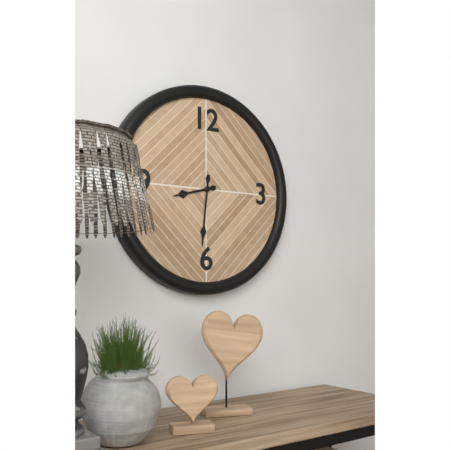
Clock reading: 8.31
